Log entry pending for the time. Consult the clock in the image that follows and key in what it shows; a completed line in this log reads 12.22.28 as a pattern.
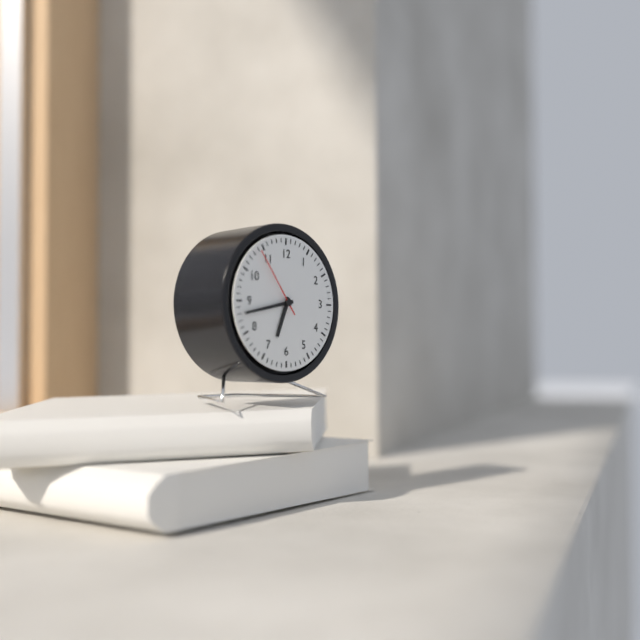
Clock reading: 6.43.54
